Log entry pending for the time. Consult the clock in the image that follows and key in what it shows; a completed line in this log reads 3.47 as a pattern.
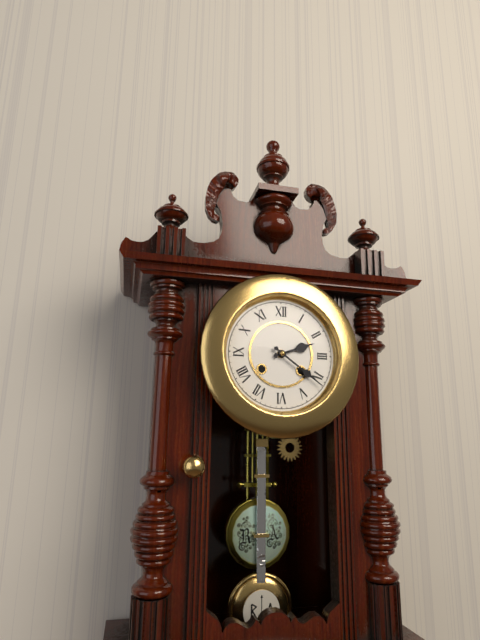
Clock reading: 2.21
